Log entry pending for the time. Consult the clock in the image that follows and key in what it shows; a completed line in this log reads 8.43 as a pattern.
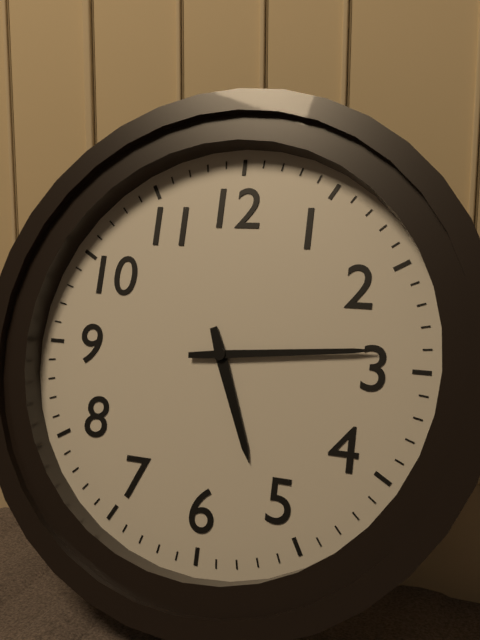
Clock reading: 5.14
